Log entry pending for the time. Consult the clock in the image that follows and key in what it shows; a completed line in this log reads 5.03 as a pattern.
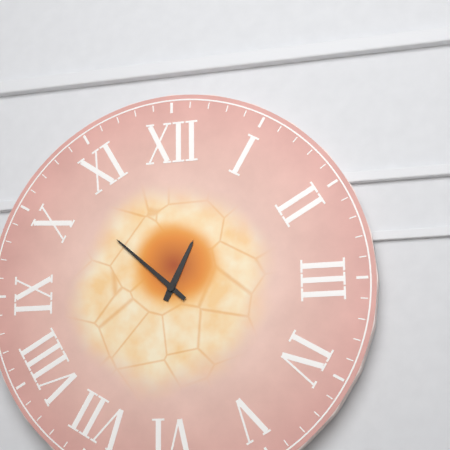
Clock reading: 12.52
